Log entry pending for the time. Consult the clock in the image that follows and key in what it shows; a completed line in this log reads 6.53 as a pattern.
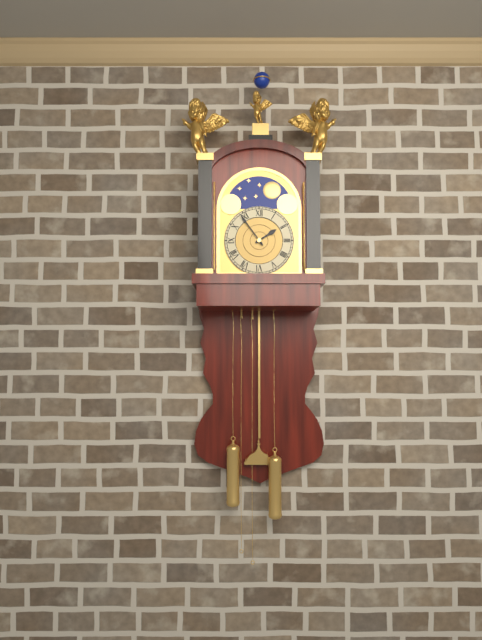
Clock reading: 1.54
